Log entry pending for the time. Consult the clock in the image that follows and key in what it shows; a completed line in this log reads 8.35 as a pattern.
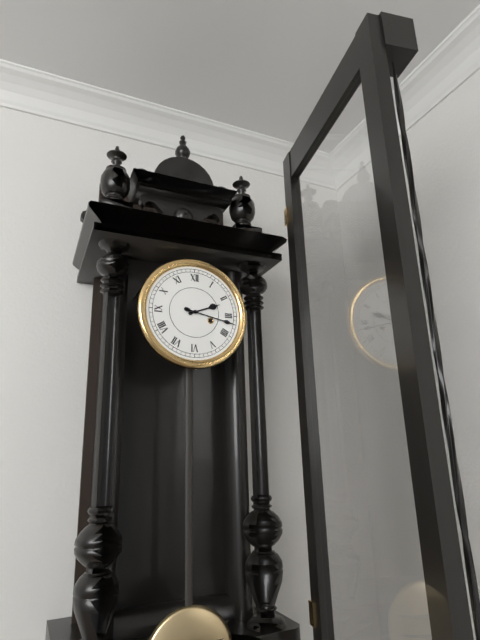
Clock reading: 2.17
